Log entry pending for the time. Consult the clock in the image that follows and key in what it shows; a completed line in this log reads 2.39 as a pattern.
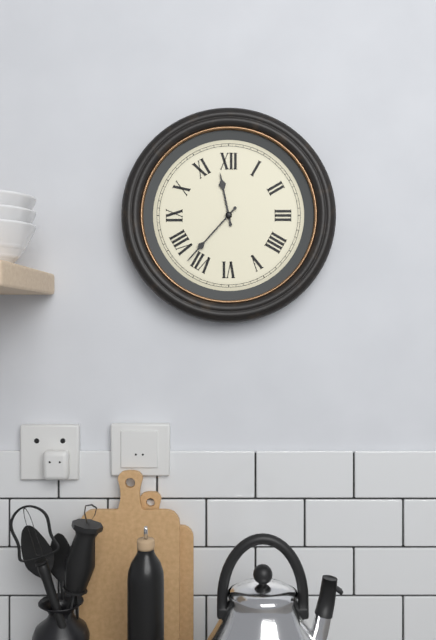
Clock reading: 11.37
